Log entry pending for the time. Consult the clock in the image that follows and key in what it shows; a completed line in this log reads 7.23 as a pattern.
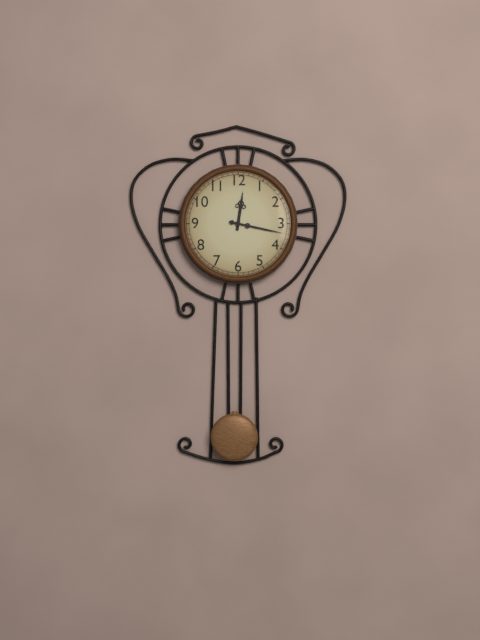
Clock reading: 12.17
